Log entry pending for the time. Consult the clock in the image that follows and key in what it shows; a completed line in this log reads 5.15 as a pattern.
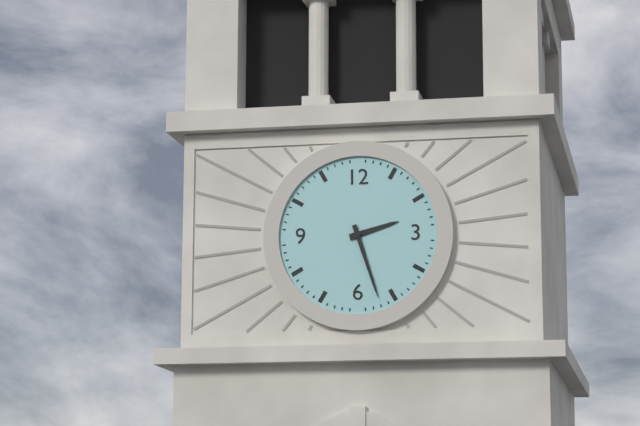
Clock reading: 2.27
